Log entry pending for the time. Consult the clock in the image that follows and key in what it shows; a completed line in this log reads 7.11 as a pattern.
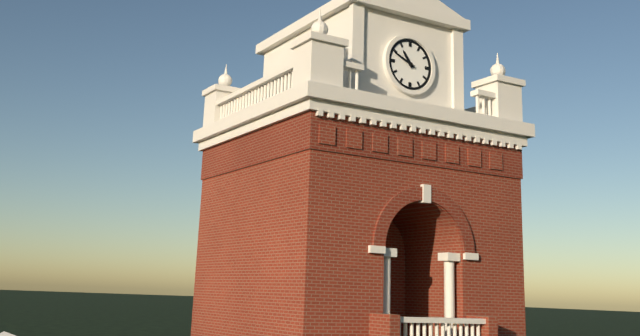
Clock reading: 10.49
